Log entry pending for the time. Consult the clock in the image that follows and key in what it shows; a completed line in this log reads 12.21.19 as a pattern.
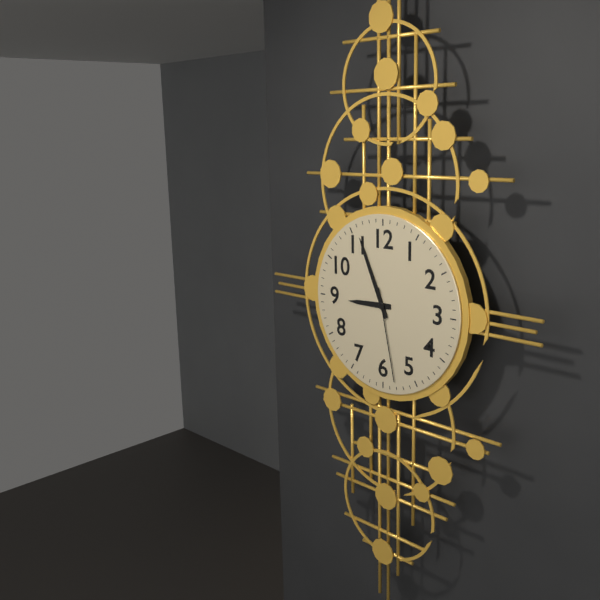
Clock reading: 8.56.28
